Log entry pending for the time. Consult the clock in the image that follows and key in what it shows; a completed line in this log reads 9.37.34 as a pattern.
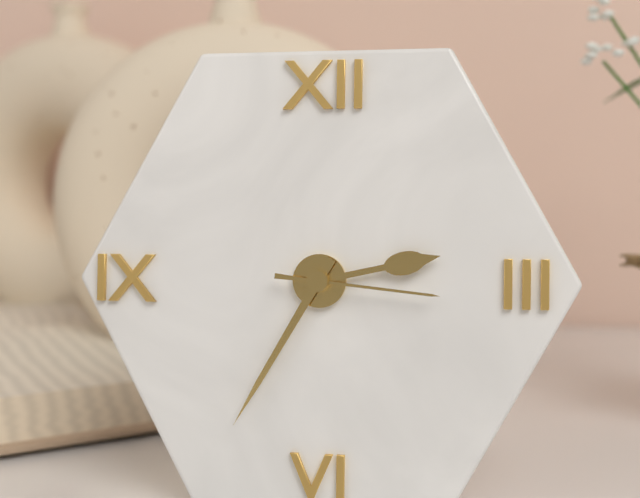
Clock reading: 2.35.16
